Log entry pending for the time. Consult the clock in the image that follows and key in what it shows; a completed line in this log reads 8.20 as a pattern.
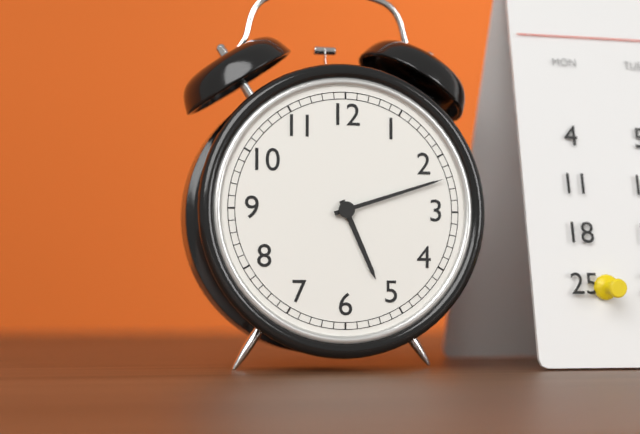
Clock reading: 5.12
